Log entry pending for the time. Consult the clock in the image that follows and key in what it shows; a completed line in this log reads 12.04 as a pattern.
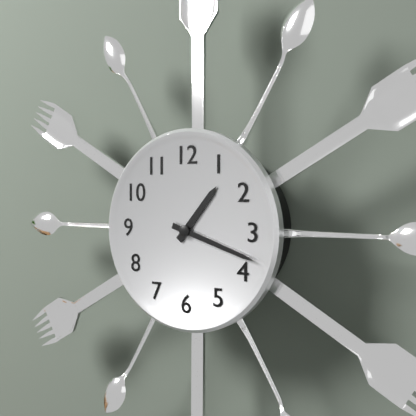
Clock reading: 1.18
